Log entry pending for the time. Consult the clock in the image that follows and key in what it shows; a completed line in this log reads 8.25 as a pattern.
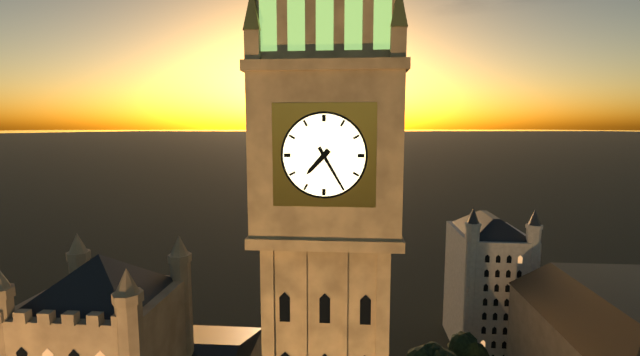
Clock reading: 7.25
